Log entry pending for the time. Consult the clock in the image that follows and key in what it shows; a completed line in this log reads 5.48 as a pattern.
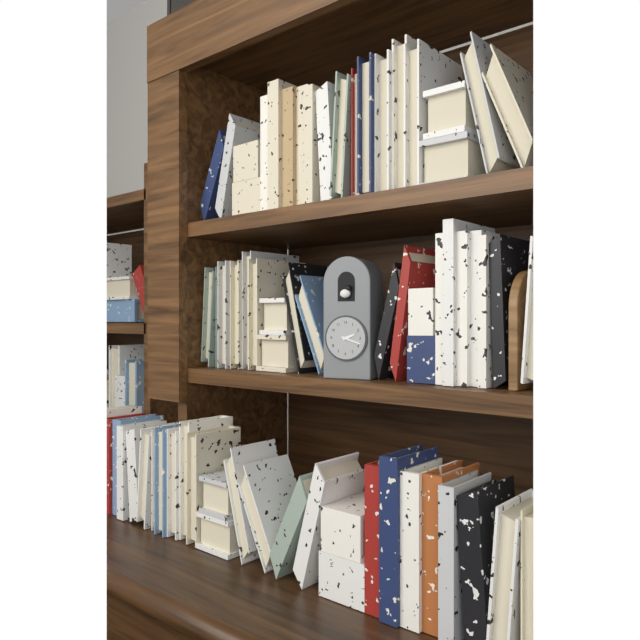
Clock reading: 2.18
